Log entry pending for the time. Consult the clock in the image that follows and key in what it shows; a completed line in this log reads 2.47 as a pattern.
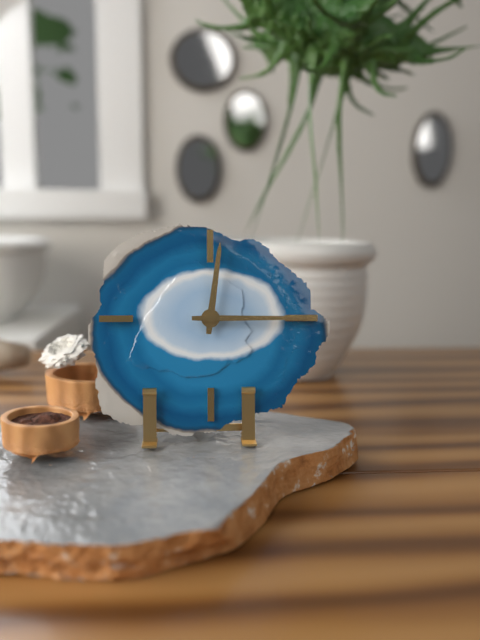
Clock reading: 12.15
